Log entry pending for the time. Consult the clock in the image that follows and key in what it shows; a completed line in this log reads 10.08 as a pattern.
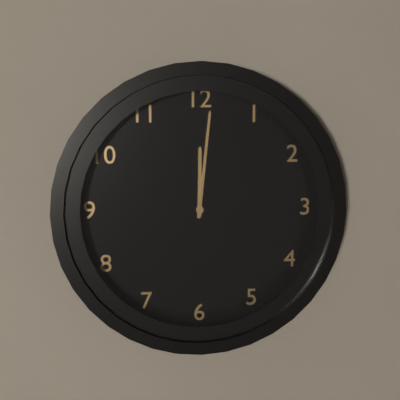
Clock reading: 12.01
